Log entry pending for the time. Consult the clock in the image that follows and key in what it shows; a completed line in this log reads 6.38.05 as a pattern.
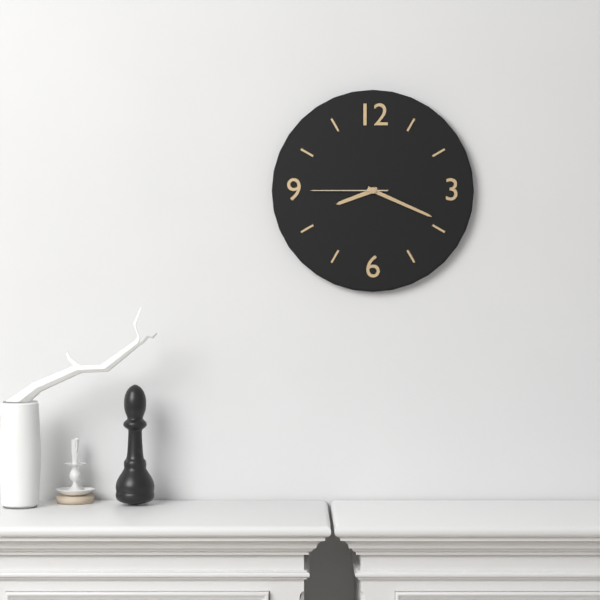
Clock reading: 8.19.45
